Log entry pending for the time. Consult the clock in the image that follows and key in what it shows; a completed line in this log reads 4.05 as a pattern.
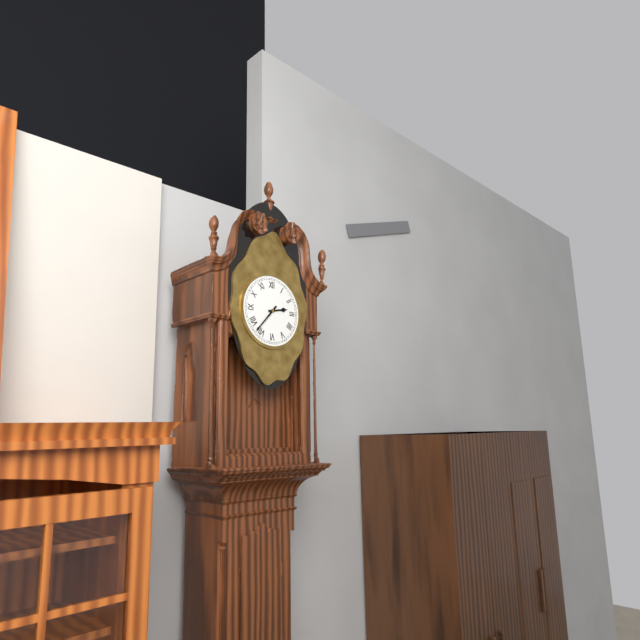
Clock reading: 2.37
